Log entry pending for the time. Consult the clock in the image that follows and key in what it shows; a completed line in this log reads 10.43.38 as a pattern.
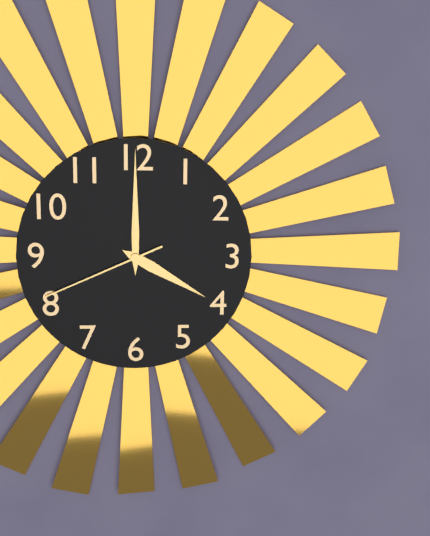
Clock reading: 4.00.41
